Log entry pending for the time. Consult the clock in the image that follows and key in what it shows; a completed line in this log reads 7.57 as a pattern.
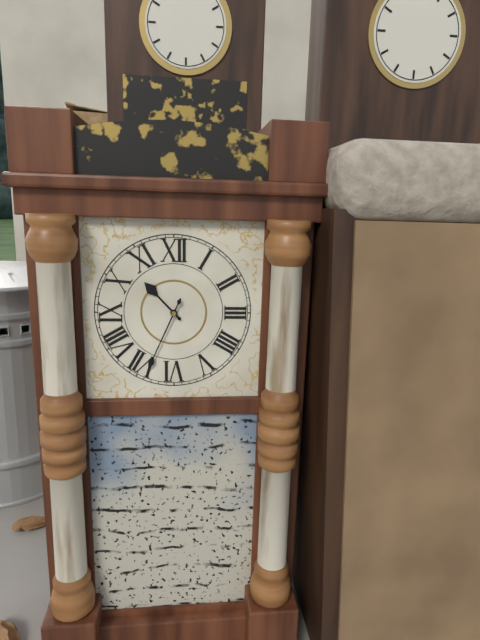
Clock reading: 10.34
